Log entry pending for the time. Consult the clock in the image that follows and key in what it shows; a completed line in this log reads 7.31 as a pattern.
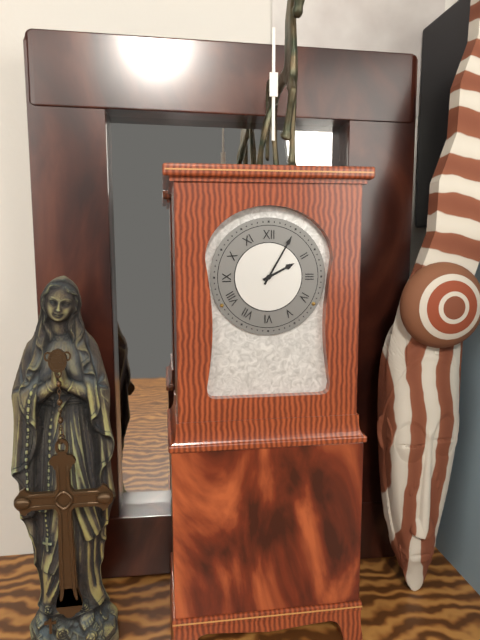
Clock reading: 2.05
